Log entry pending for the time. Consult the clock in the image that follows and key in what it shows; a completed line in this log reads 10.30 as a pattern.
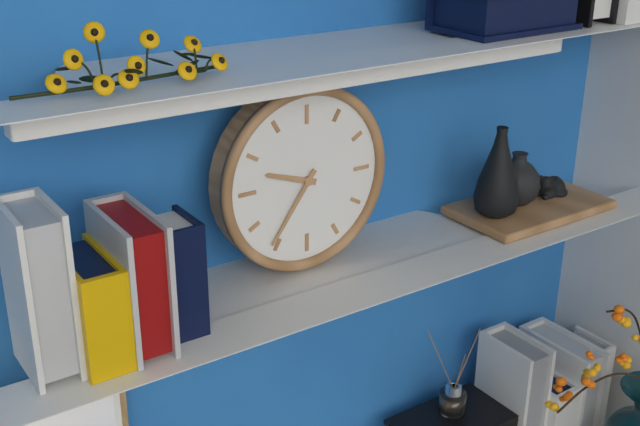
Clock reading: 9.36
